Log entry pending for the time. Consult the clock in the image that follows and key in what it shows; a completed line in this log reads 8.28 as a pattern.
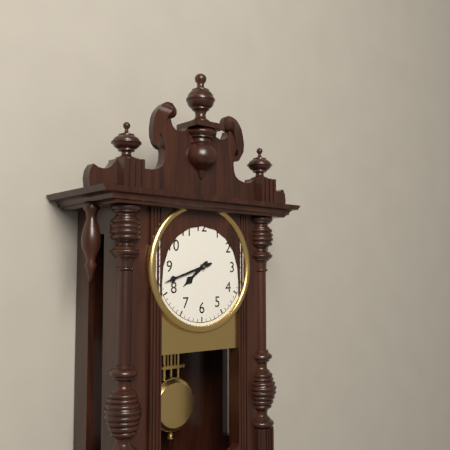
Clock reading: 7.42
